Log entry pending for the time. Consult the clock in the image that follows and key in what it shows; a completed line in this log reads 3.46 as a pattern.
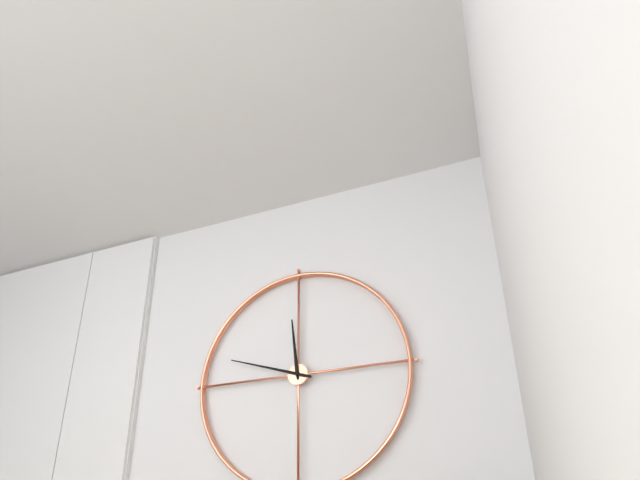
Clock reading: 11.48
